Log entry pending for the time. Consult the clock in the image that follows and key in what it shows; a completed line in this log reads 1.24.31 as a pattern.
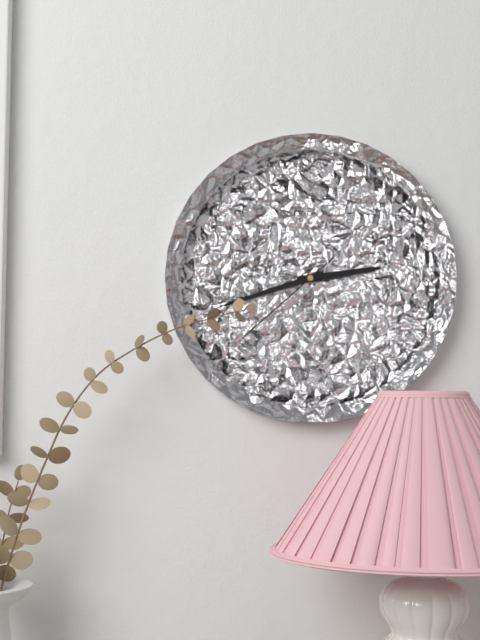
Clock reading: 2.42.38
